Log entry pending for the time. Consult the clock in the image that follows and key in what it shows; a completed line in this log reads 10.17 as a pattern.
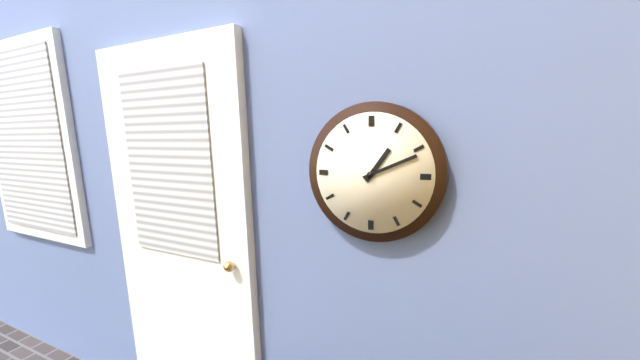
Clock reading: 1.11
